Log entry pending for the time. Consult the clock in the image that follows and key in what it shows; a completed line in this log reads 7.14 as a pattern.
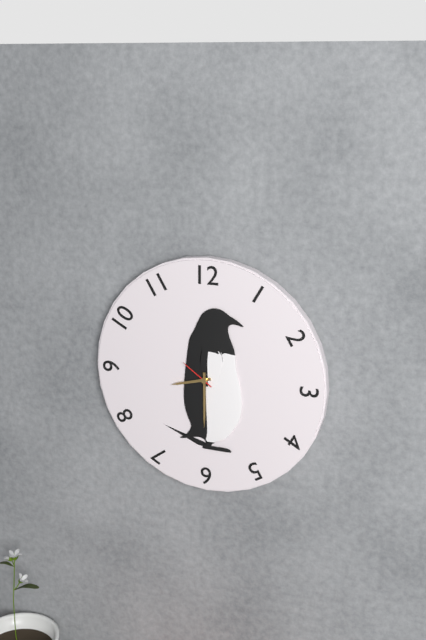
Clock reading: 8.30
